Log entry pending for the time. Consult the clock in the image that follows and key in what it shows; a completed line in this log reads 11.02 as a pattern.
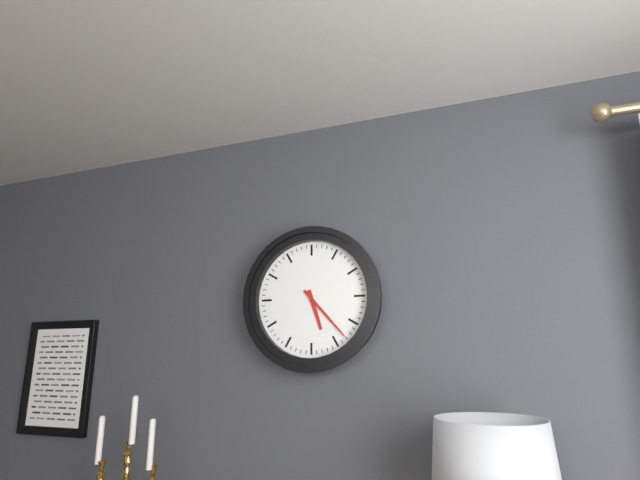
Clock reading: 5.23
